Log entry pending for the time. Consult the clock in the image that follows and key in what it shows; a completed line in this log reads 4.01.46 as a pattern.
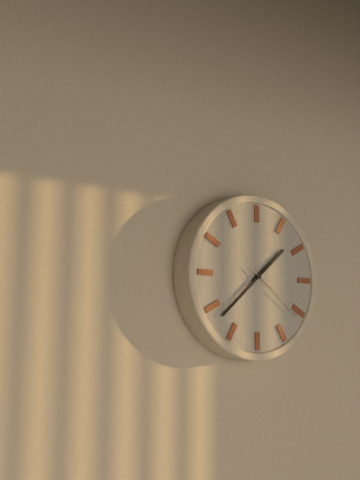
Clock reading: 1.38.21
